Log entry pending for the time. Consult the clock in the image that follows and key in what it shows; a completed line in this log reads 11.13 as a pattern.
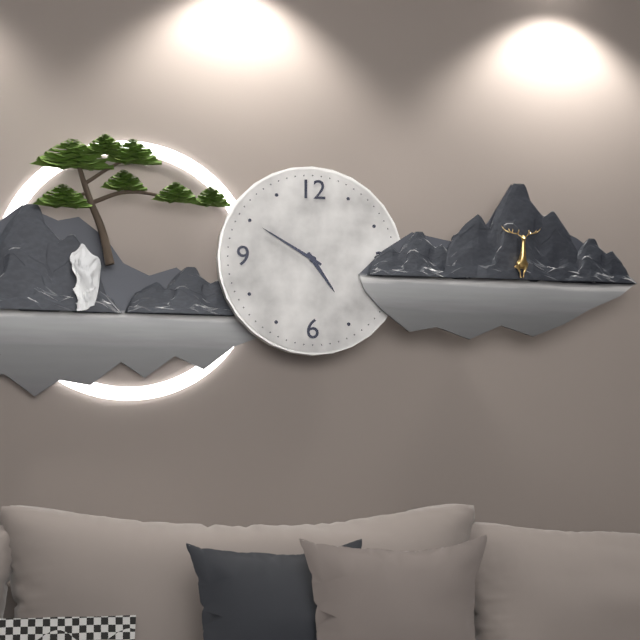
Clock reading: 4.50
